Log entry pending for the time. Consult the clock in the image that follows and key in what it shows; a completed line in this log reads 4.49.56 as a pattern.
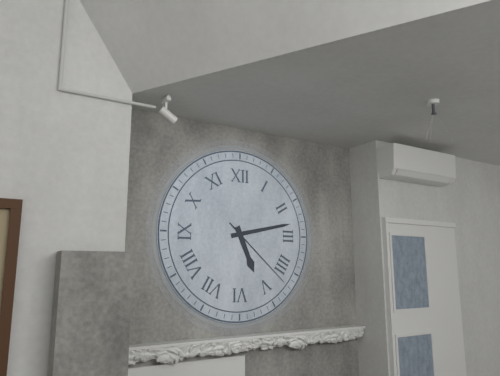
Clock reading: 5.13.22
